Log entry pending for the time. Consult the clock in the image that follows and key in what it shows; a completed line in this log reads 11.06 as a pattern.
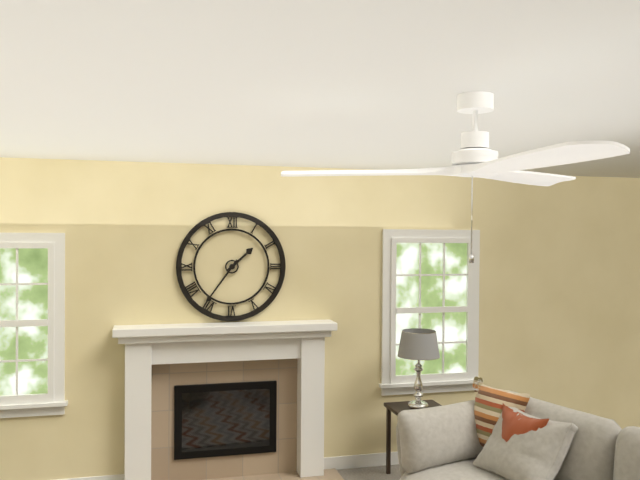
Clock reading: 1.36
